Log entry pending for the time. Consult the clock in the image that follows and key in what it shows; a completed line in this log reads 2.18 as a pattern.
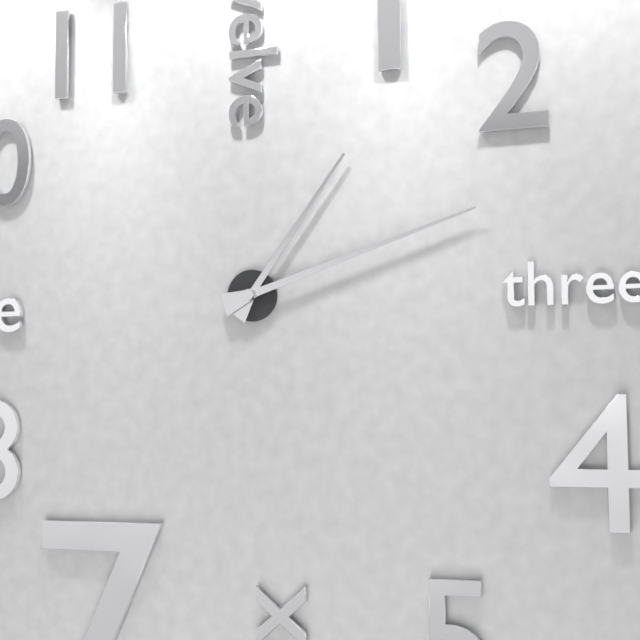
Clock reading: 1.12
